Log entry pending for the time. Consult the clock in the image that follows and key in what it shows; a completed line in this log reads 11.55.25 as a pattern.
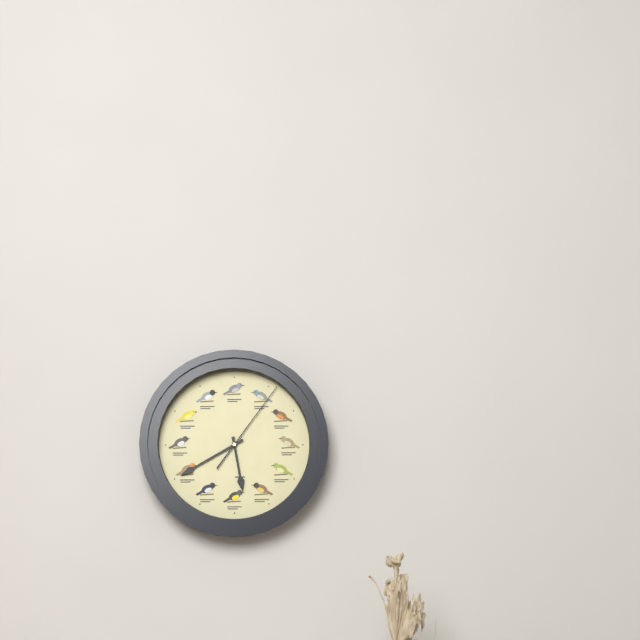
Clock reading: 5.40.06
